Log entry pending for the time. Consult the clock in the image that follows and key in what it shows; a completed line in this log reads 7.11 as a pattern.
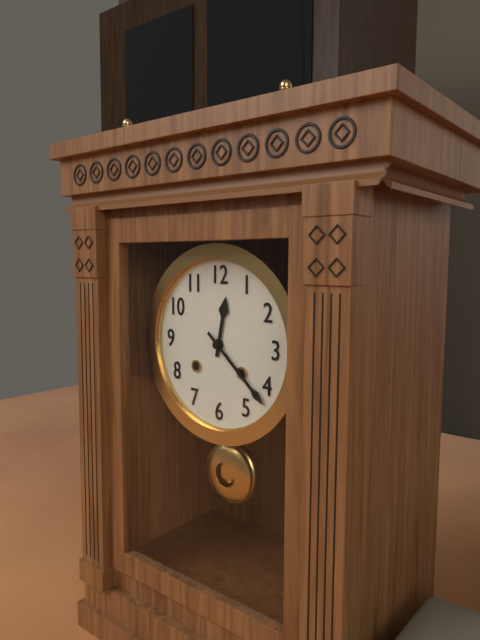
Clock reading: 12.22
